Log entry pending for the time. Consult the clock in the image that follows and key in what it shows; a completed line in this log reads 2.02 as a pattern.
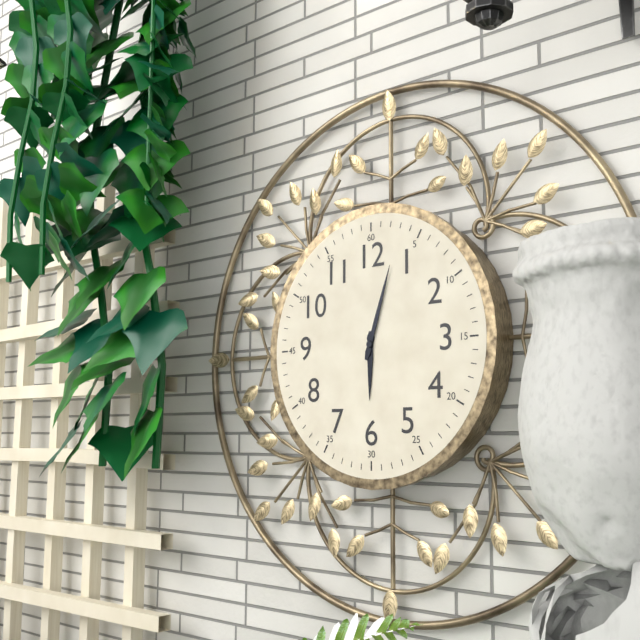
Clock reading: 6.03
